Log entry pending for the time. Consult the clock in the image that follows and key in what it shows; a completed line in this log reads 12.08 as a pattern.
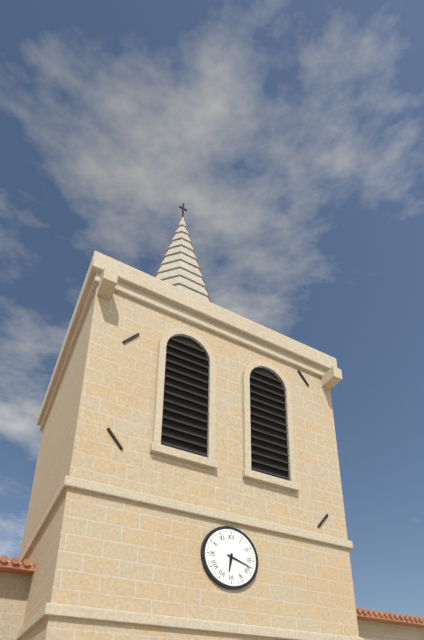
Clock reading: 6.18
